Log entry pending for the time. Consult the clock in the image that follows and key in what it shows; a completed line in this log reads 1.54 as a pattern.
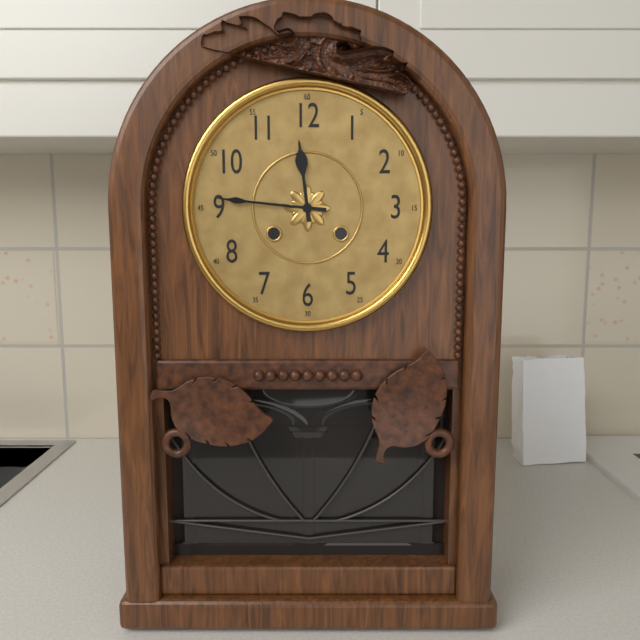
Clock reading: 11.46
